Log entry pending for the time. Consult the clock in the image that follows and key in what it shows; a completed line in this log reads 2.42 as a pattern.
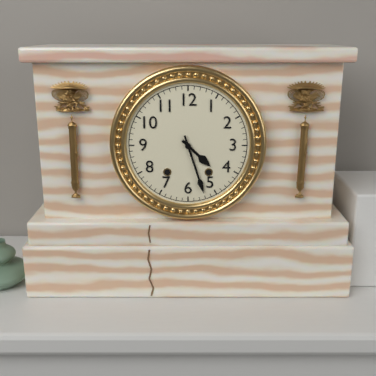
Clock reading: 4.27
